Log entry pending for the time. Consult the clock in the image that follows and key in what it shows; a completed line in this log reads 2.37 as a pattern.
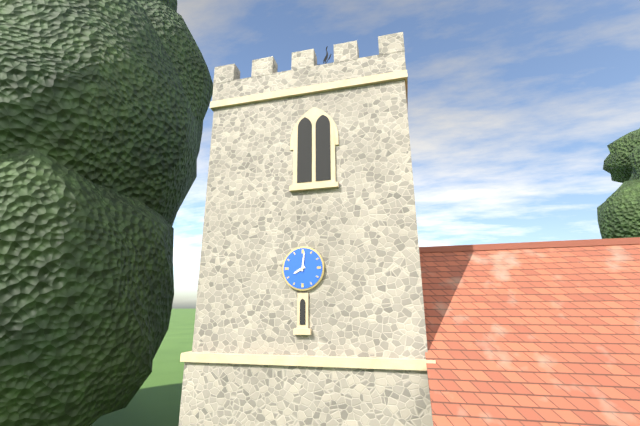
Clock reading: 8.01
